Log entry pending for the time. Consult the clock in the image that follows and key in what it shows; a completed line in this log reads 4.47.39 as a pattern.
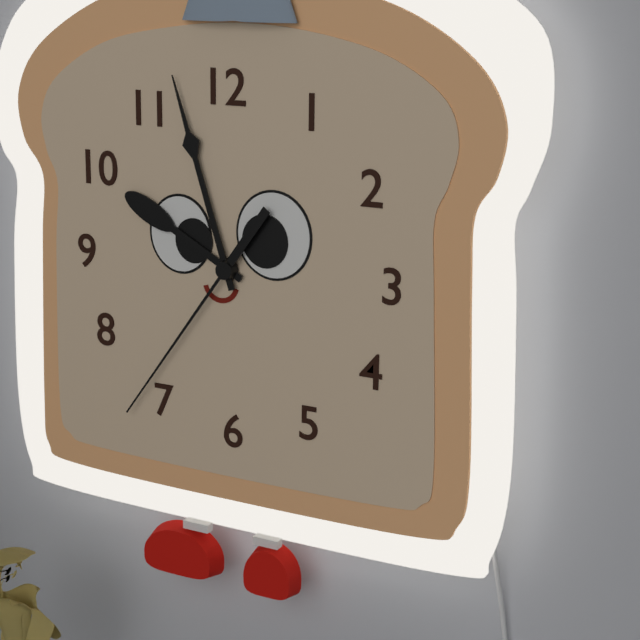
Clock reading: 9.57.36
